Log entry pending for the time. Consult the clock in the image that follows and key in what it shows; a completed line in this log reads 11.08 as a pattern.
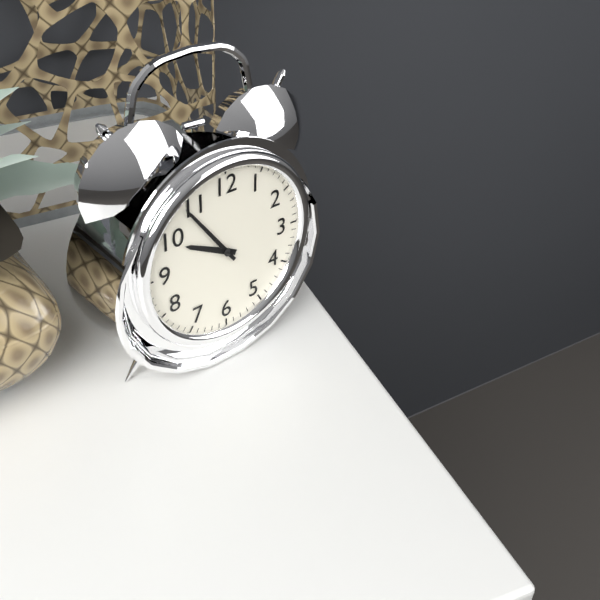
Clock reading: 9.54
